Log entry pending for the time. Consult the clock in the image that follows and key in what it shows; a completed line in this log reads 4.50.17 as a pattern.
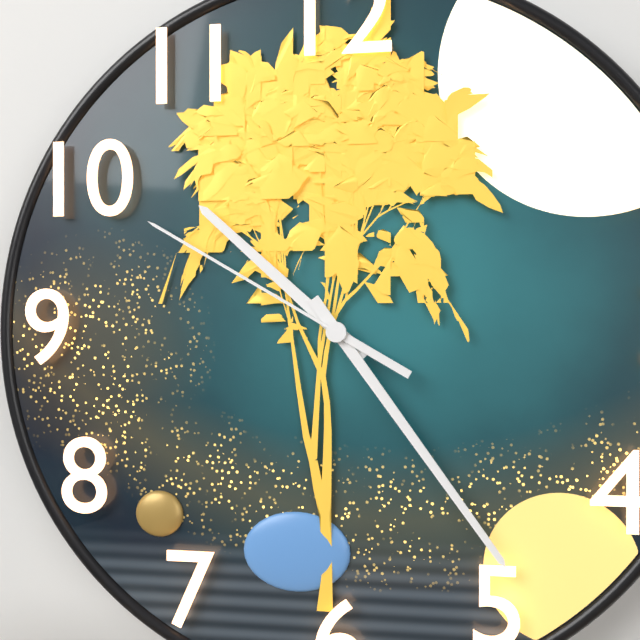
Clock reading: 10.24.50
